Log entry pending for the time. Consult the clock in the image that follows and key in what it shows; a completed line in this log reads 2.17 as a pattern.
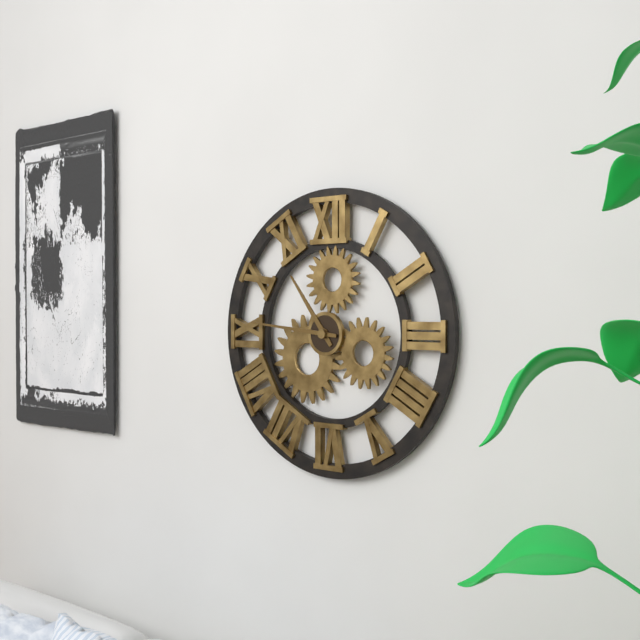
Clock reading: 10.46
